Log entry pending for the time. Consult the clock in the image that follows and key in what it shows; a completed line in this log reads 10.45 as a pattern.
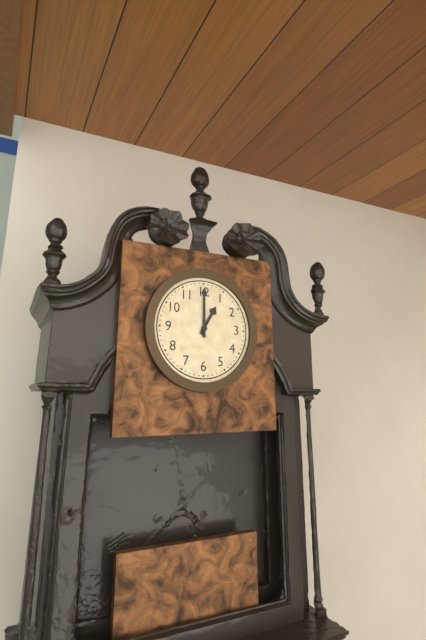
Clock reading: 1.00
